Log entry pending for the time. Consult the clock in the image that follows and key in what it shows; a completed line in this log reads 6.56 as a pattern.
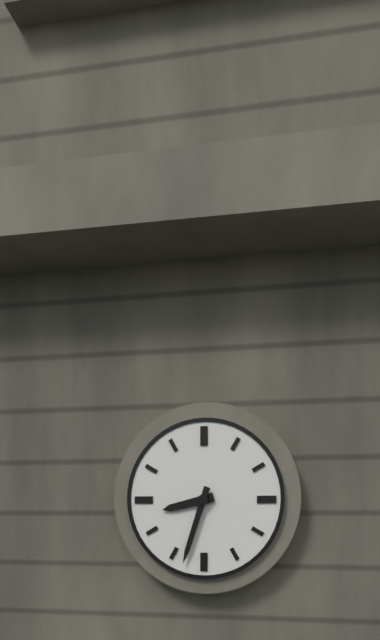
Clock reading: 8.33
